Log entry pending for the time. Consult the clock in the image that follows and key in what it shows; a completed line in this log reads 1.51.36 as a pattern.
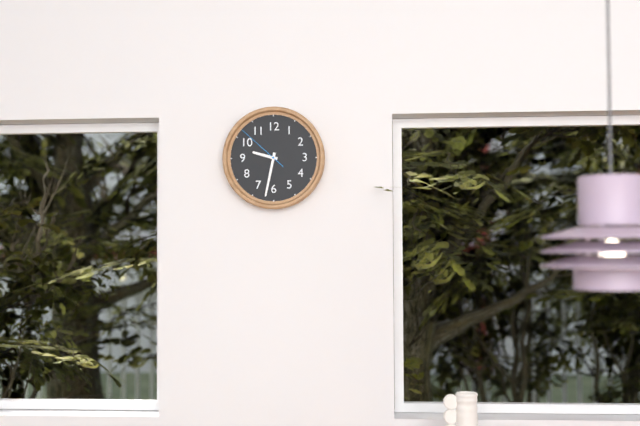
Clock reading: 9.32.52
